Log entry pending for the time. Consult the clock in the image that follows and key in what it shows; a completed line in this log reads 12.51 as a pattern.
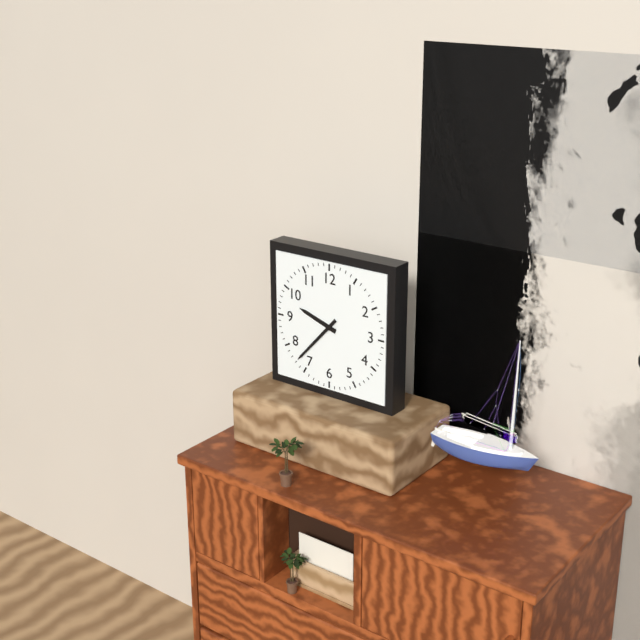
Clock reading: 9.37
